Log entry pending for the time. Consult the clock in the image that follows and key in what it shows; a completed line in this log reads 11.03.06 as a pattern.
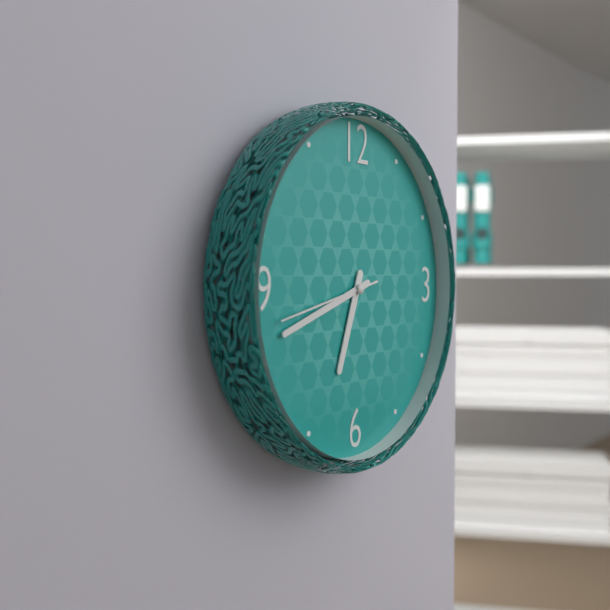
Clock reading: 6.42.43
